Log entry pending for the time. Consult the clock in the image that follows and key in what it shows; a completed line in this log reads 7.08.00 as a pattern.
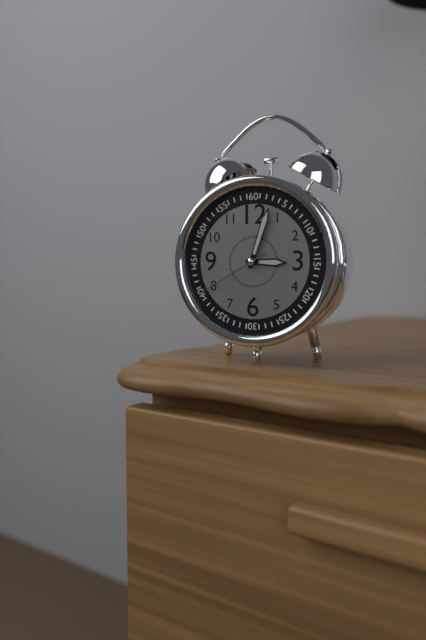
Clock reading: 3.03.40
